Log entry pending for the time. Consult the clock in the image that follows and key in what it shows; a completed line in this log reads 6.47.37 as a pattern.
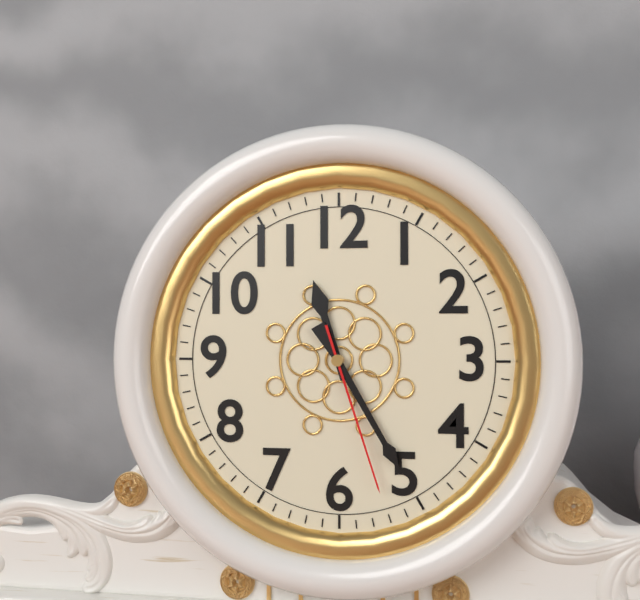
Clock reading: 11.25.27
